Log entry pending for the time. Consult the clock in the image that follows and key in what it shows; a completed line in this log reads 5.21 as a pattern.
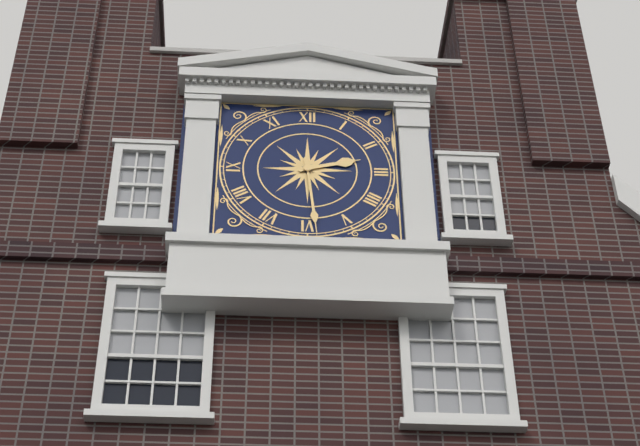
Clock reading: 2.29
